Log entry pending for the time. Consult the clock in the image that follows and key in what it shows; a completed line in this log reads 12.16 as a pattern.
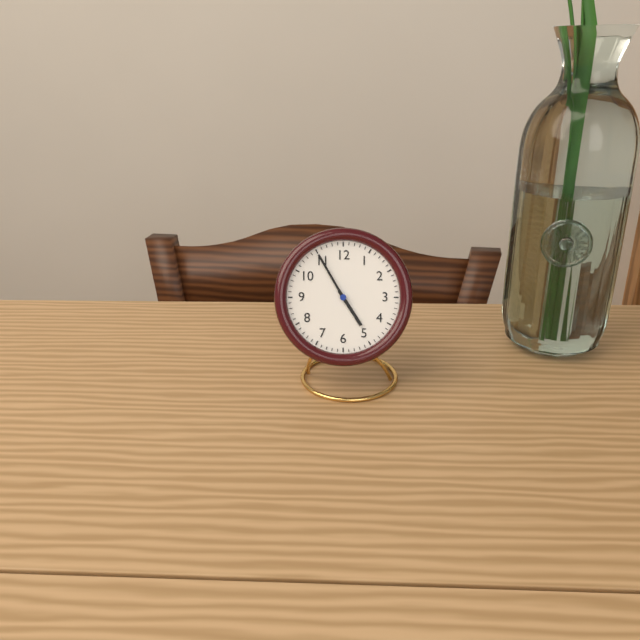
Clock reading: 4.55
